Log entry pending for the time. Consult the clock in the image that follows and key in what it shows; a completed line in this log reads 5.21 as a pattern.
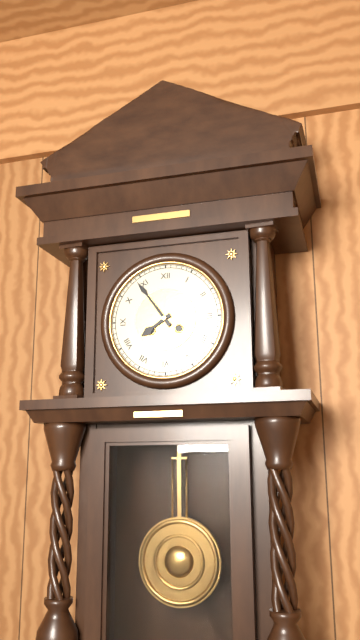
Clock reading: 7.54
